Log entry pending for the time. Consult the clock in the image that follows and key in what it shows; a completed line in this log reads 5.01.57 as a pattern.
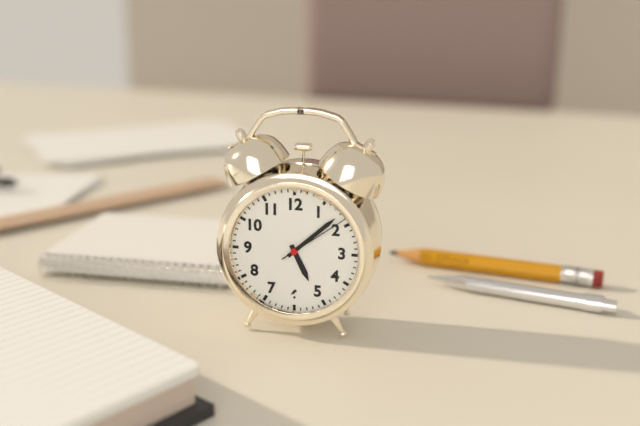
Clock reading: 5.08.09
